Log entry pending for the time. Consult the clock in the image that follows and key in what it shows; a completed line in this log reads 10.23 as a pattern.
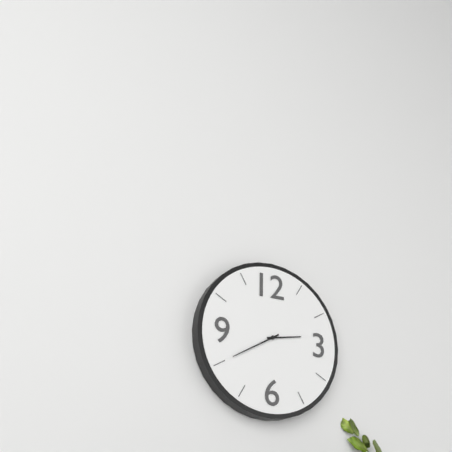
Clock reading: 2.40
